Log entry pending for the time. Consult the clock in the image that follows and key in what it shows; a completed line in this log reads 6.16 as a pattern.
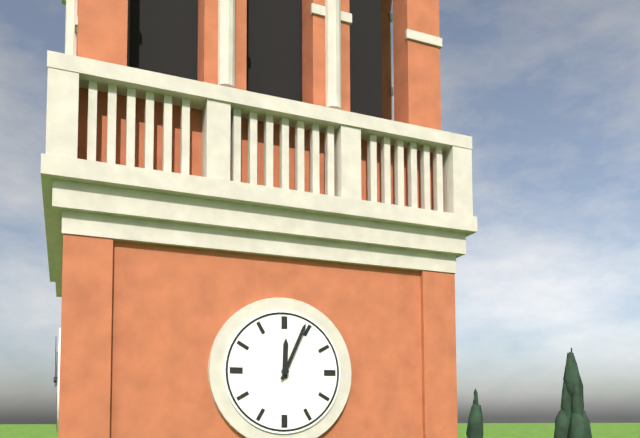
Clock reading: 12.04
